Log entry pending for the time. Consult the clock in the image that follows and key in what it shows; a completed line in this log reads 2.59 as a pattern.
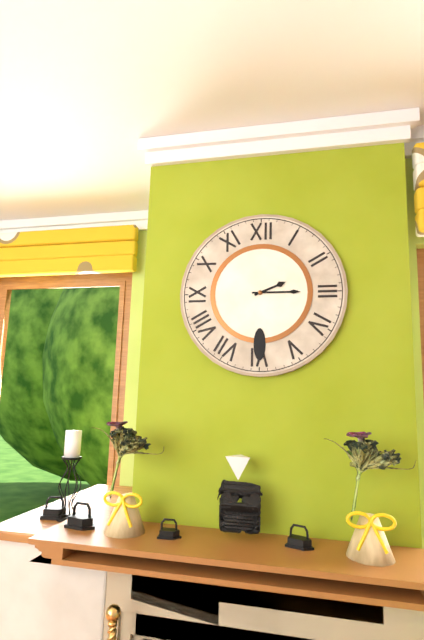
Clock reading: 2.15
